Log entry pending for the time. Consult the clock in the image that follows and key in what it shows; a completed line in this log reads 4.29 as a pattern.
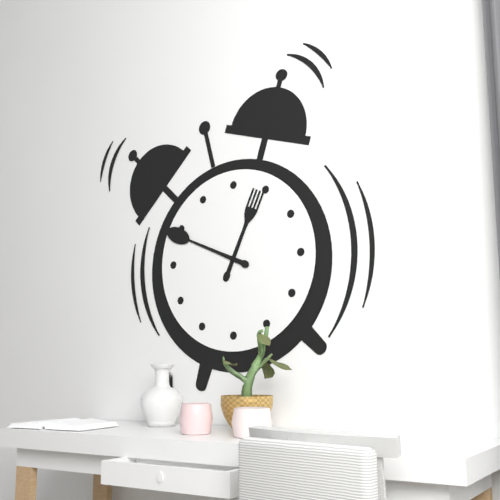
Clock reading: 12.49
